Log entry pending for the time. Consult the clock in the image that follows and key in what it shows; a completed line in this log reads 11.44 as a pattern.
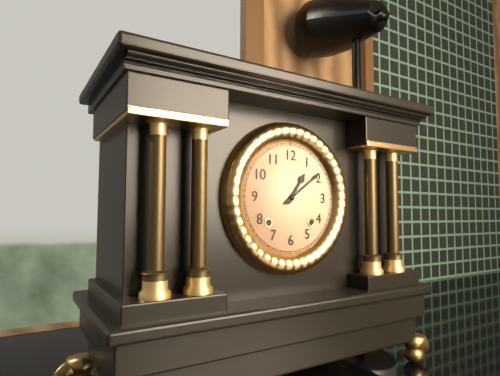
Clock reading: 1.09
